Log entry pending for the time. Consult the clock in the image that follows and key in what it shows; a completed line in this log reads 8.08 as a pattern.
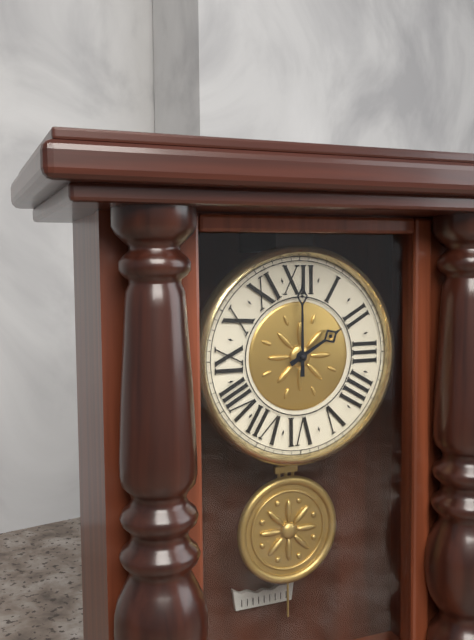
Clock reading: 2.00
